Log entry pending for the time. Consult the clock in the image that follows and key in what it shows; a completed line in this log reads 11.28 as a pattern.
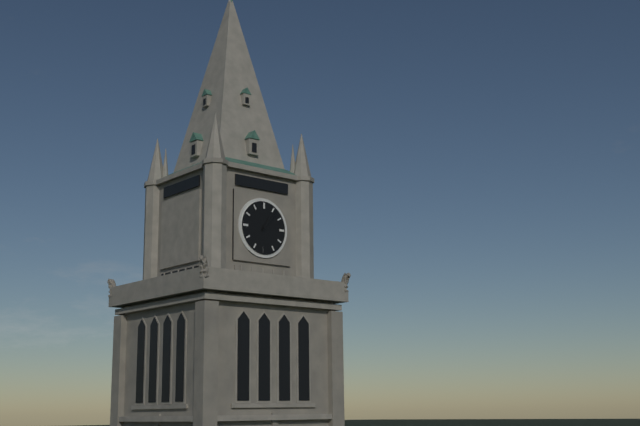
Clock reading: 1.07
